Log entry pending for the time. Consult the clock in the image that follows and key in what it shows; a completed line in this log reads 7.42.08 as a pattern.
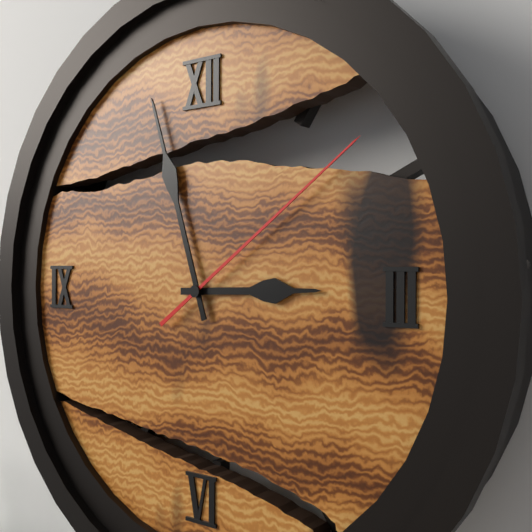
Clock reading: 2.57.09
